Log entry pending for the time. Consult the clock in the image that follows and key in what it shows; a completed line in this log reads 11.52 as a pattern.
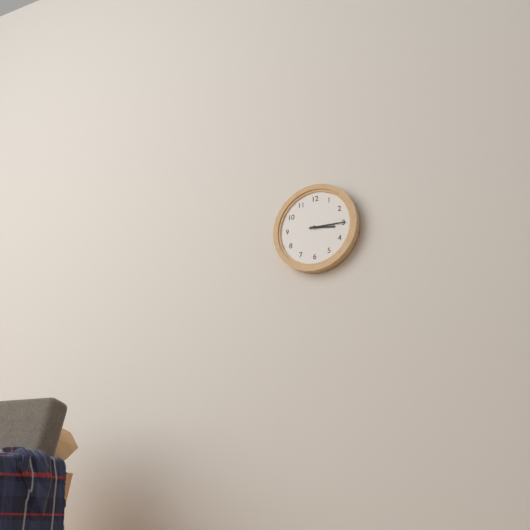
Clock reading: 3.15
